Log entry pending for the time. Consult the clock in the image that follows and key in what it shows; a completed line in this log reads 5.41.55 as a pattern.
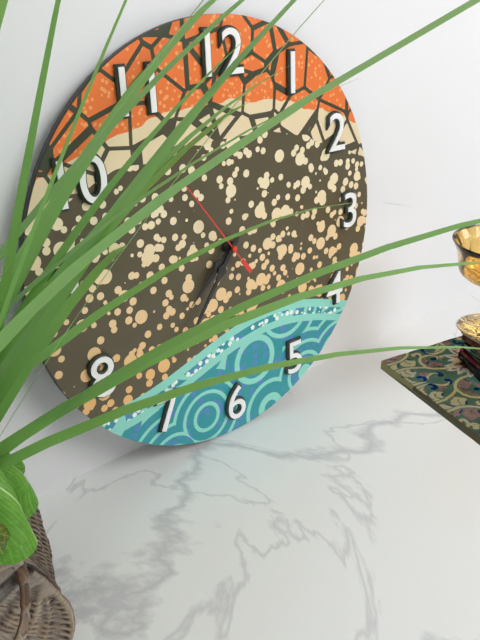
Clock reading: 7.36.54
